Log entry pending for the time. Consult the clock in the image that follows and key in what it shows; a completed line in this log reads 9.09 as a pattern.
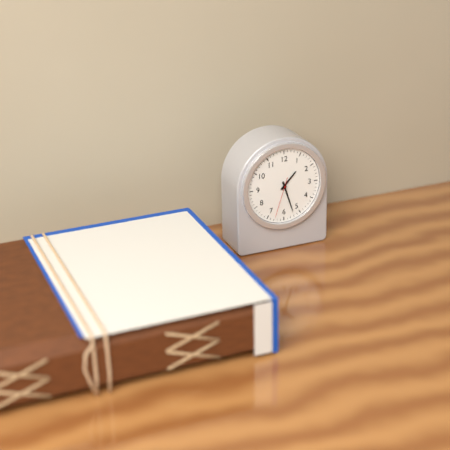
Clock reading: 1.27
